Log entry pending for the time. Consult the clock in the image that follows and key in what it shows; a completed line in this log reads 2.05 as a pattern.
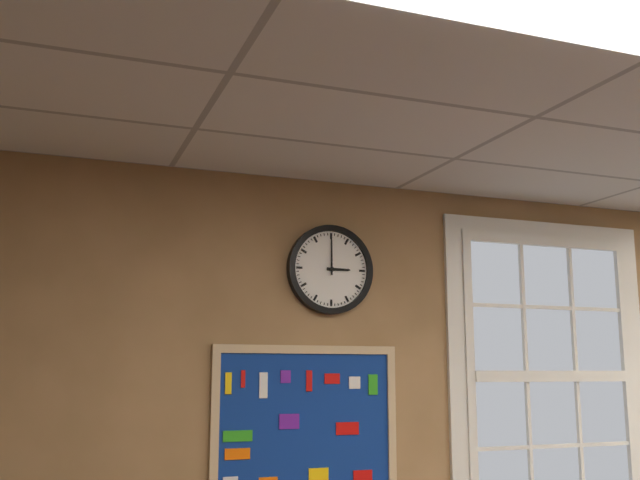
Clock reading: 3.00
